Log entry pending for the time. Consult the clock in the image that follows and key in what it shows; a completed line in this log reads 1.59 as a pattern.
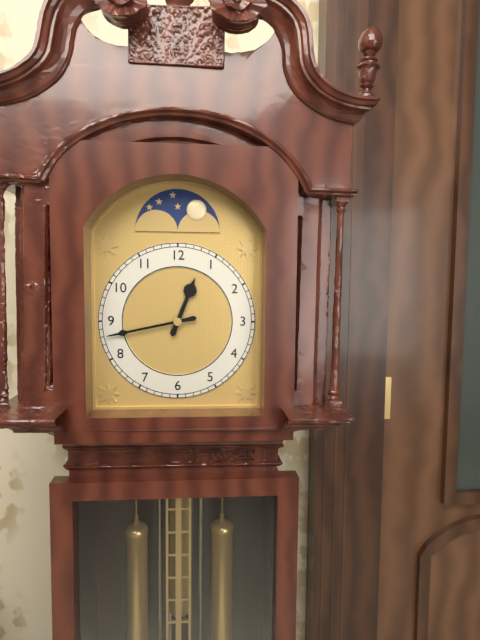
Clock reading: 12.43
